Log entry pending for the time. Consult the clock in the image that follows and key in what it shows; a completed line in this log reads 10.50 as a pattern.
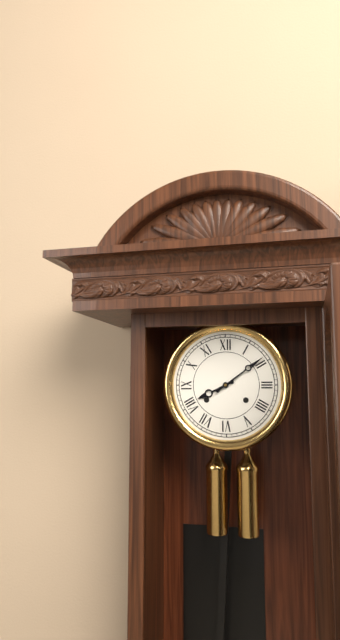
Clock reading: 8.09
